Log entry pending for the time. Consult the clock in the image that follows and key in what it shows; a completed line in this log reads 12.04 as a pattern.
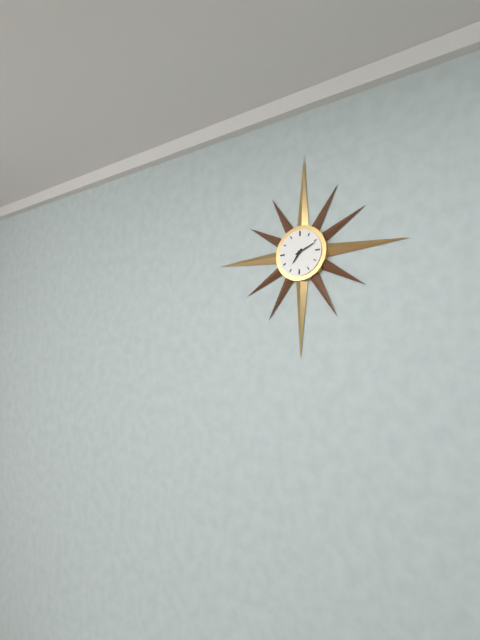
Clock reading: 7.11
